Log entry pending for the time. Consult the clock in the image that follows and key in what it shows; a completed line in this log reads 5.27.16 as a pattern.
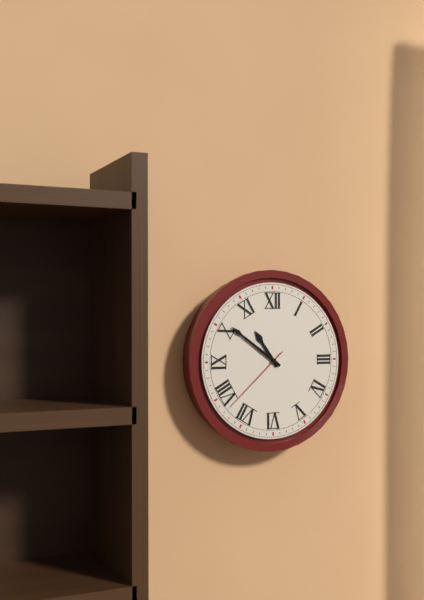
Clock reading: 10.51.38
